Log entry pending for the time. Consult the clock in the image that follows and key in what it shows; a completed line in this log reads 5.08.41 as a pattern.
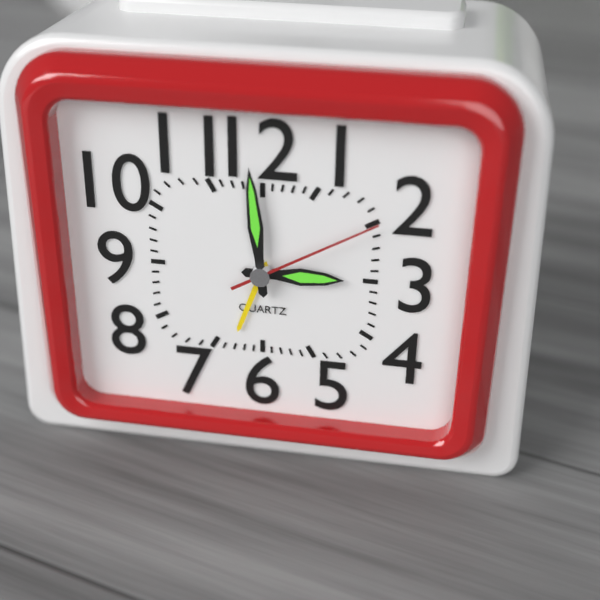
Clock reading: 2.59.10
